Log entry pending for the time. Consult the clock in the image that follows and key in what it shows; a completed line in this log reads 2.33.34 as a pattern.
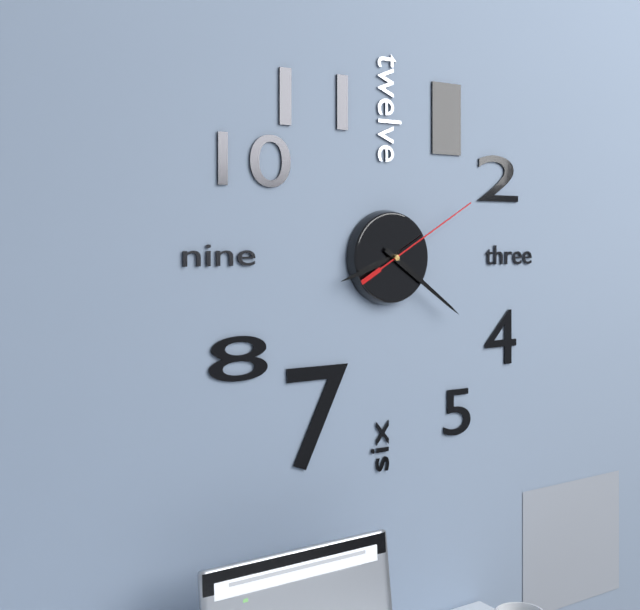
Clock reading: 8.21.10
